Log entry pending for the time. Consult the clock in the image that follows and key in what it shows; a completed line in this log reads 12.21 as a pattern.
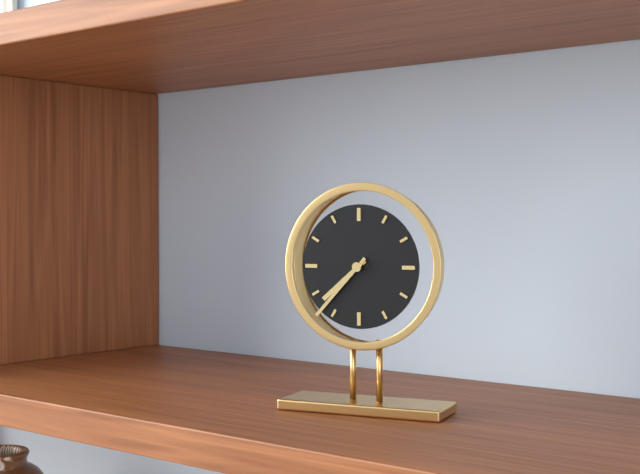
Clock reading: 7.37
